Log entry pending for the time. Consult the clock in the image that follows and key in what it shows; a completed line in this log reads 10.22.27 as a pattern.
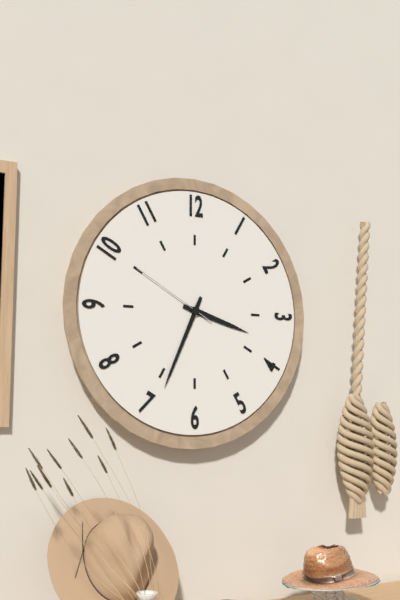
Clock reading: 3.34.50
